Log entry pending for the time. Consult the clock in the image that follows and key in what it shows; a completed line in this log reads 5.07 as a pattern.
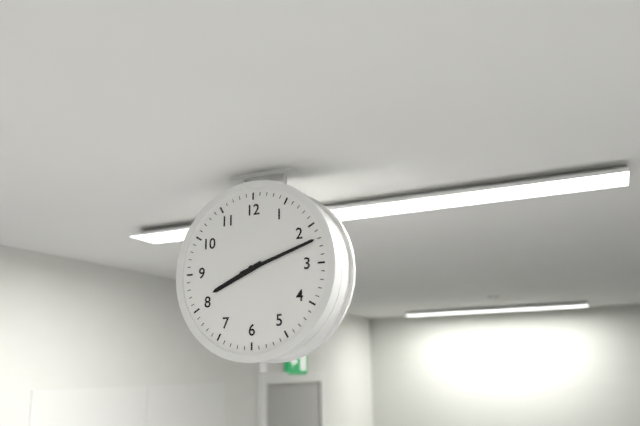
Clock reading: 8.12
